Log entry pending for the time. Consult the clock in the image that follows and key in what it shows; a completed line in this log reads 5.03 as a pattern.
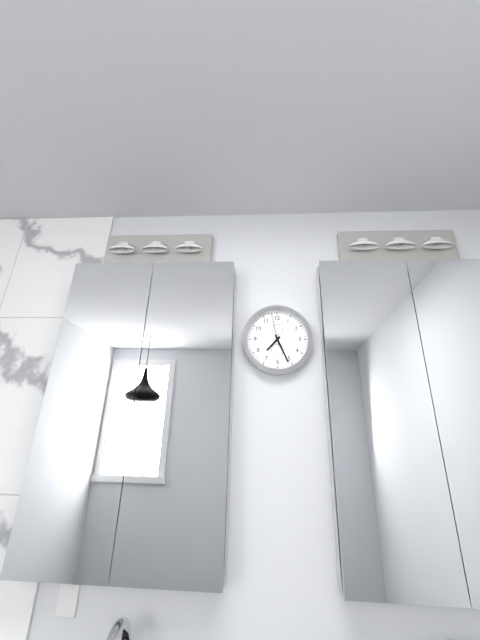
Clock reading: 7.26
